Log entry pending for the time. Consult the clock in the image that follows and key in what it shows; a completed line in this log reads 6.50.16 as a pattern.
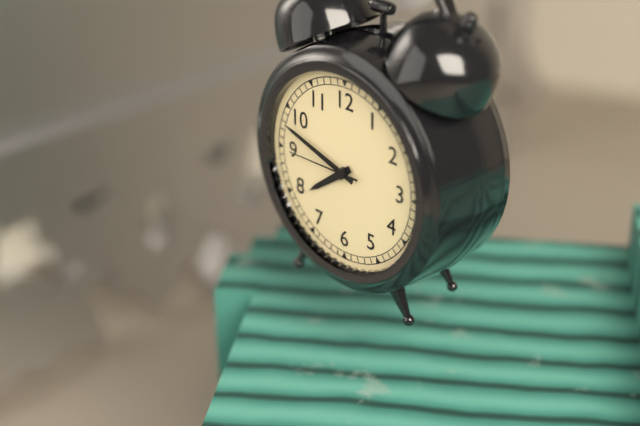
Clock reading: 7.48.45
